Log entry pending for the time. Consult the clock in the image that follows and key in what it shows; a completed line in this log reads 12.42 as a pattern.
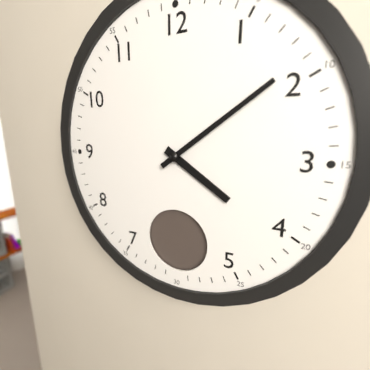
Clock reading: 4.09
